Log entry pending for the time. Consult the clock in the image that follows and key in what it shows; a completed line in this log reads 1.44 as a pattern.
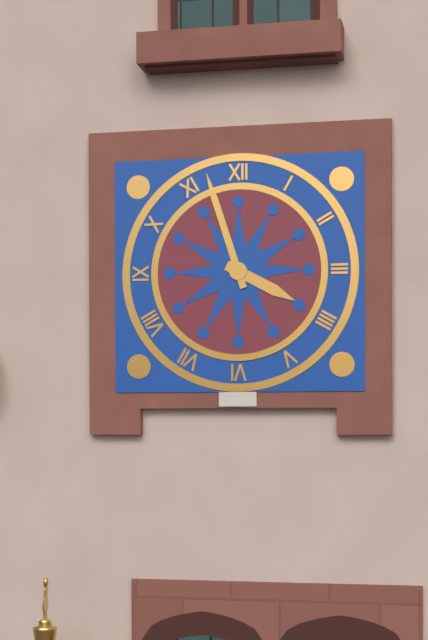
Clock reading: 3.57
